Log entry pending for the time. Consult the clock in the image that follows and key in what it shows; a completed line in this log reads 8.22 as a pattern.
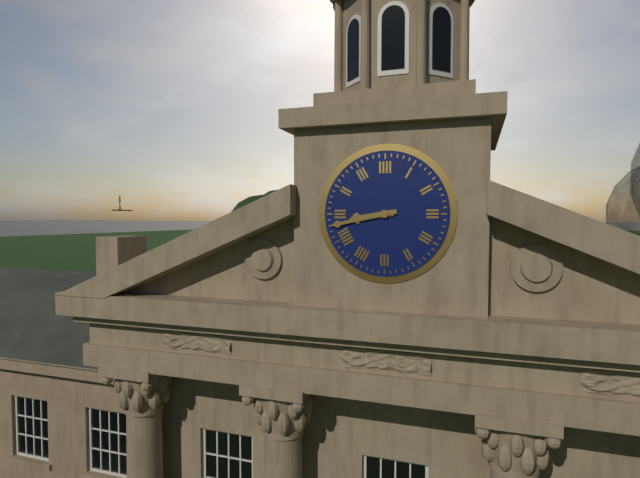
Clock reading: 8.43
